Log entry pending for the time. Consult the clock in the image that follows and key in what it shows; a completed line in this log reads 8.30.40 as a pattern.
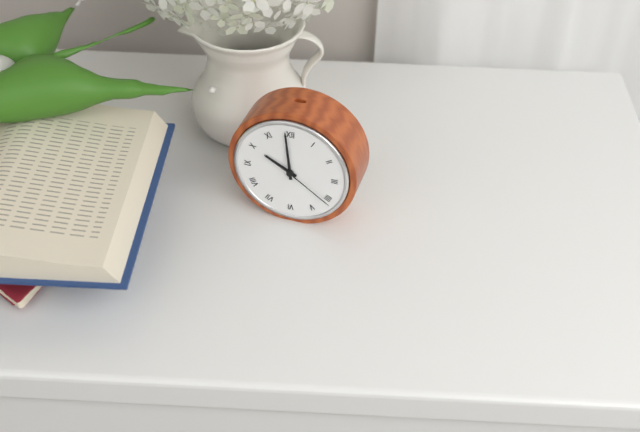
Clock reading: 9.59.21
